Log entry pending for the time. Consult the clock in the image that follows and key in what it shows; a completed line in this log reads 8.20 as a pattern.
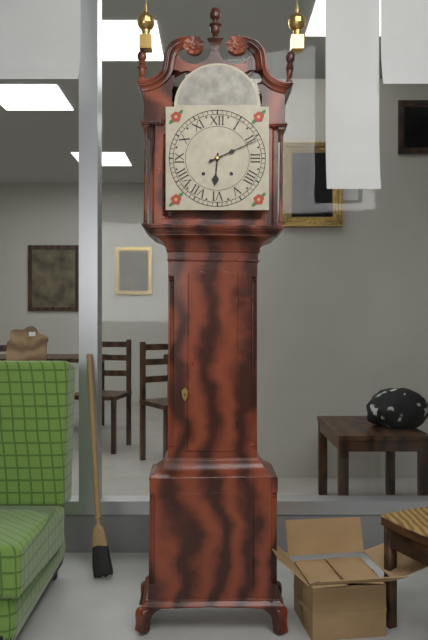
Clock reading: 6.11
